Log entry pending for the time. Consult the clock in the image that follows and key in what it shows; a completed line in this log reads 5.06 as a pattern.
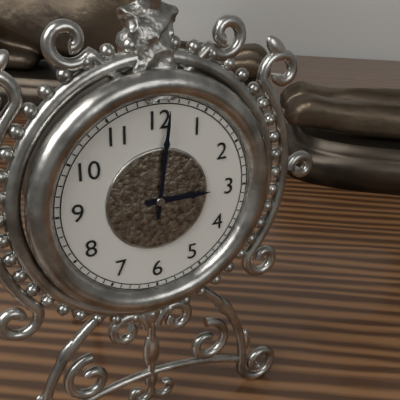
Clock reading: 3.01
